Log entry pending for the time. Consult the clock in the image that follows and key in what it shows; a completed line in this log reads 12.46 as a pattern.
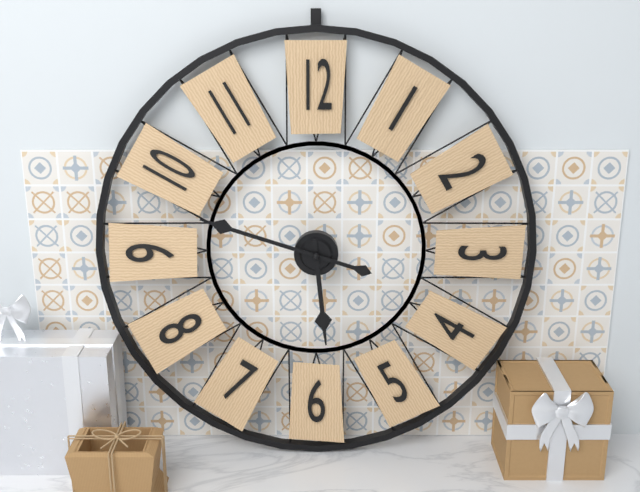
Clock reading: 5.48
